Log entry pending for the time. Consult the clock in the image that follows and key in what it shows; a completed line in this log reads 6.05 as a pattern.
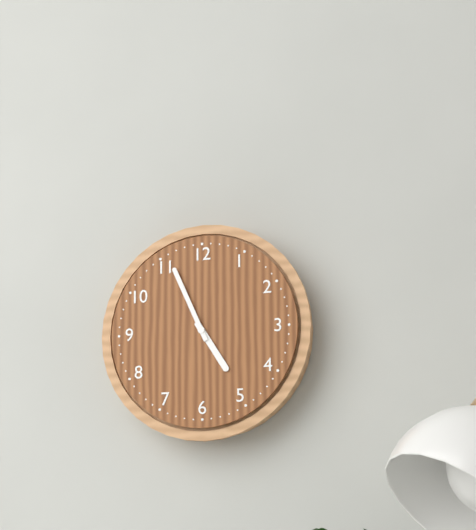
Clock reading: 4.56
